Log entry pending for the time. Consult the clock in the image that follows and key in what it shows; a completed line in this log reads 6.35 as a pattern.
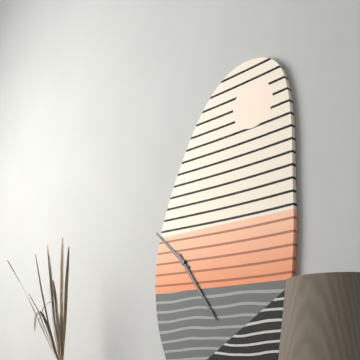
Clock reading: 10.24
